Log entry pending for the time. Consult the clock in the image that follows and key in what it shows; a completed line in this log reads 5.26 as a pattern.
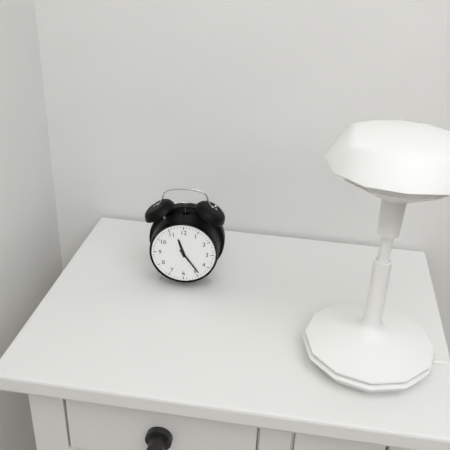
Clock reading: 11.24
